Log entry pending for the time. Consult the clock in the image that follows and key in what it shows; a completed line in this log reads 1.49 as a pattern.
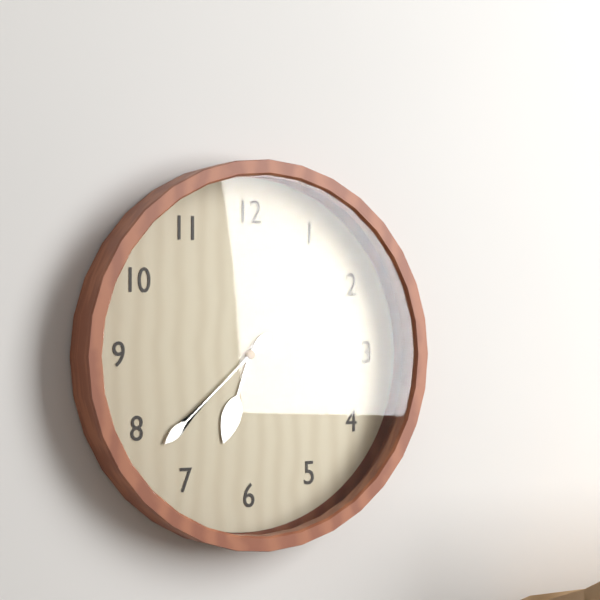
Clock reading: 6.38
